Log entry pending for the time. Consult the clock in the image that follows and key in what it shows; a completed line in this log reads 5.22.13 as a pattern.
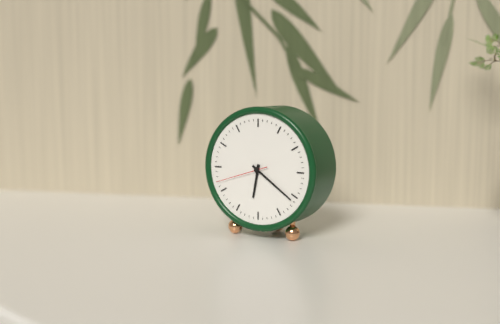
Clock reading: 6.21.42
